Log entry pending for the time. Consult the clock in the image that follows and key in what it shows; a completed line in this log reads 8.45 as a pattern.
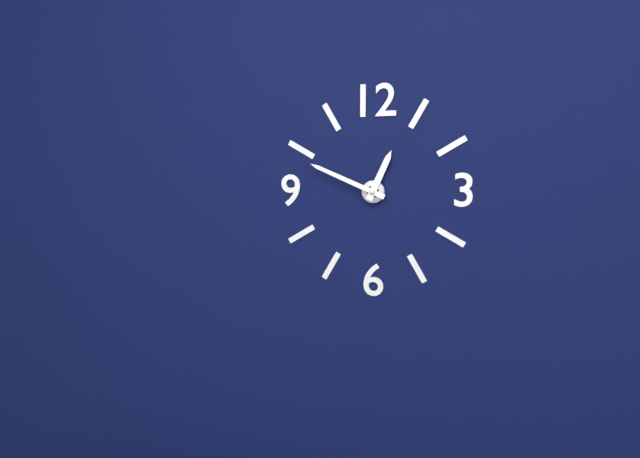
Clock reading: 12.49
